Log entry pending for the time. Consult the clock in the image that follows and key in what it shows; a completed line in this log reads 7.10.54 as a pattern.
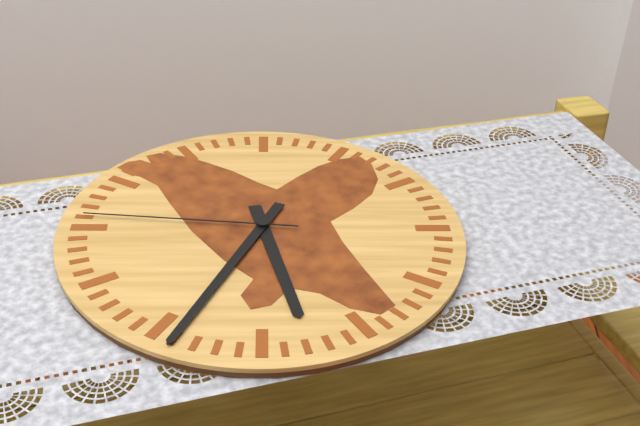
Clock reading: 5.34.46
